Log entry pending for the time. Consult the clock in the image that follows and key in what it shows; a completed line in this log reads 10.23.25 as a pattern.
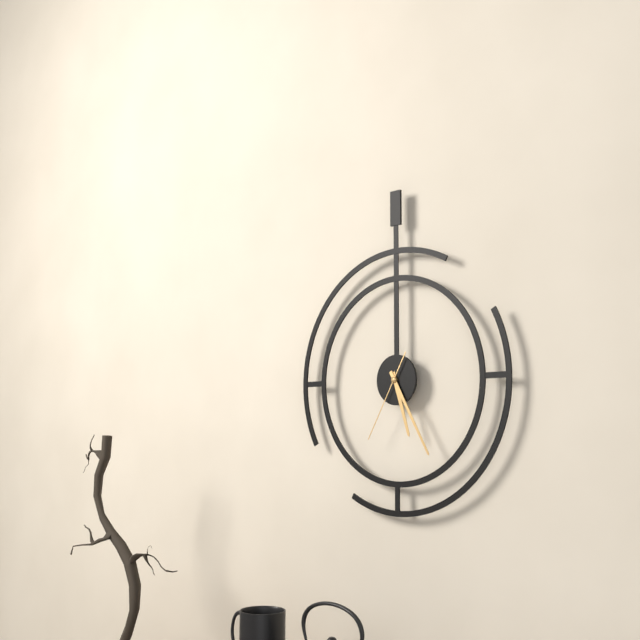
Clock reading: 5.25.35
